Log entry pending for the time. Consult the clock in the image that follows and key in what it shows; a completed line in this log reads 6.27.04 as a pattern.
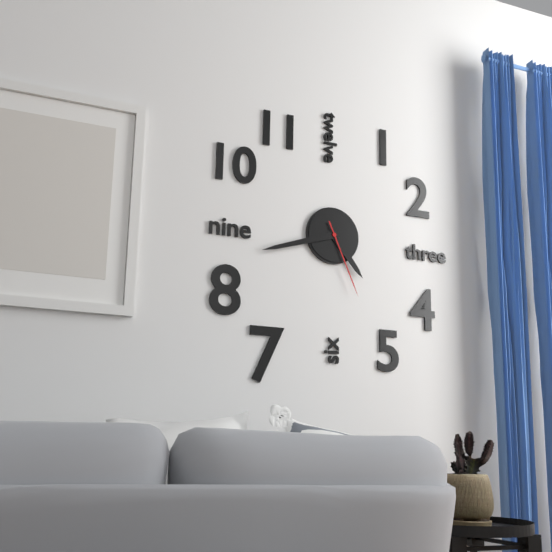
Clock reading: 4.42.26
